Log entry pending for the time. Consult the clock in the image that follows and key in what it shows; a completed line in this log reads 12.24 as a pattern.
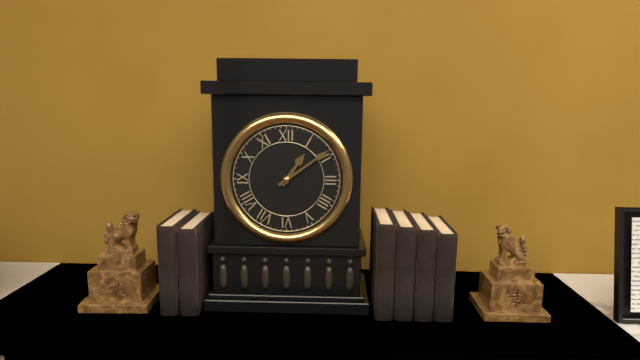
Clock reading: 1.09
